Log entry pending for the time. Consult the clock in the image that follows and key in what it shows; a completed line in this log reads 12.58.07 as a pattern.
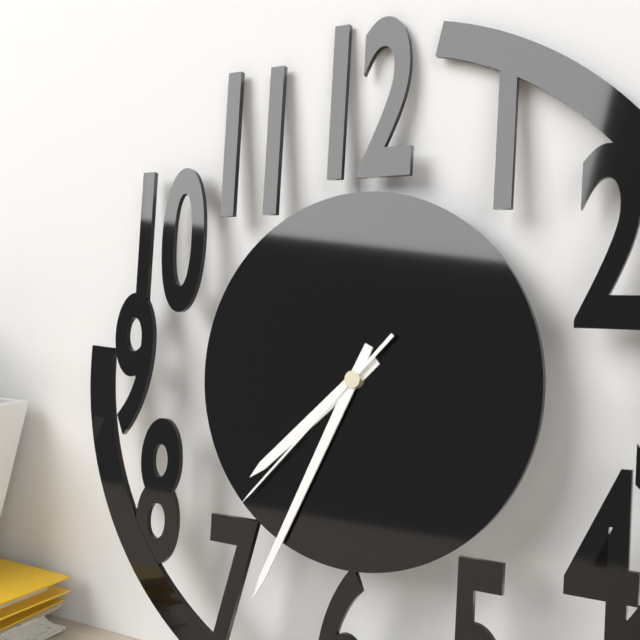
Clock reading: 7.34.37
